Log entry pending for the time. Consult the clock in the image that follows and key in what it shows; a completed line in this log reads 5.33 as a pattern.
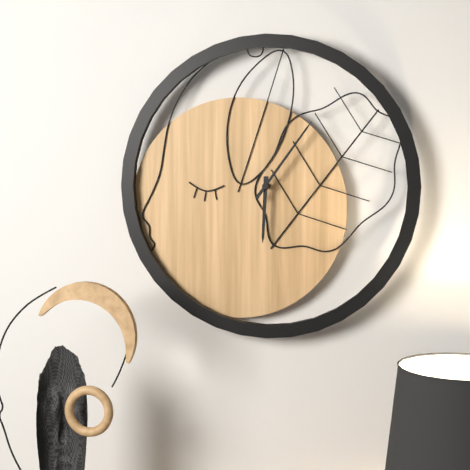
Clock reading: 6.06
